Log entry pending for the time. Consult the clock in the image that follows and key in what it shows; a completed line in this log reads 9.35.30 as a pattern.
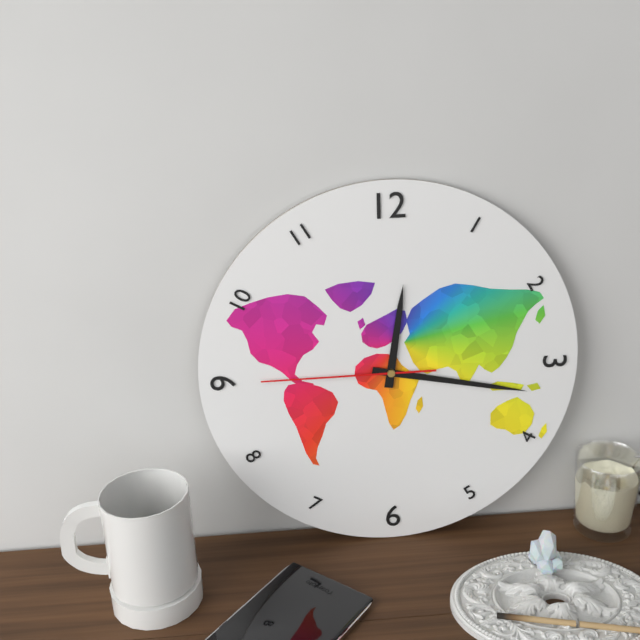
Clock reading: 12.17.45
